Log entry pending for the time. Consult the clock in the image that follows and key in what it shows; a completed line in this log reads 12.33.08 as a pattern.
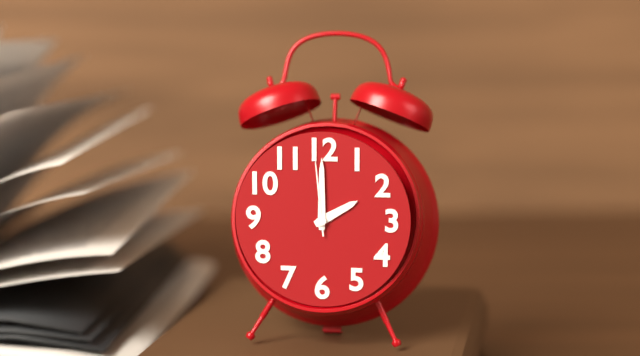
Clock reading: 2.00.59
